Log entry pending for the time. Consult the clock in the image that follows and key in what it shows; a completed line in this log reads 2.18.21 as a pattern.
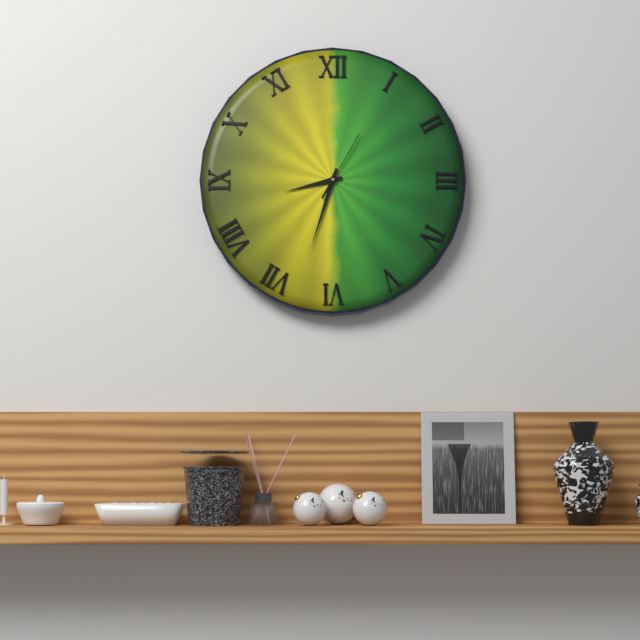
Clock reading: 8.33.05
